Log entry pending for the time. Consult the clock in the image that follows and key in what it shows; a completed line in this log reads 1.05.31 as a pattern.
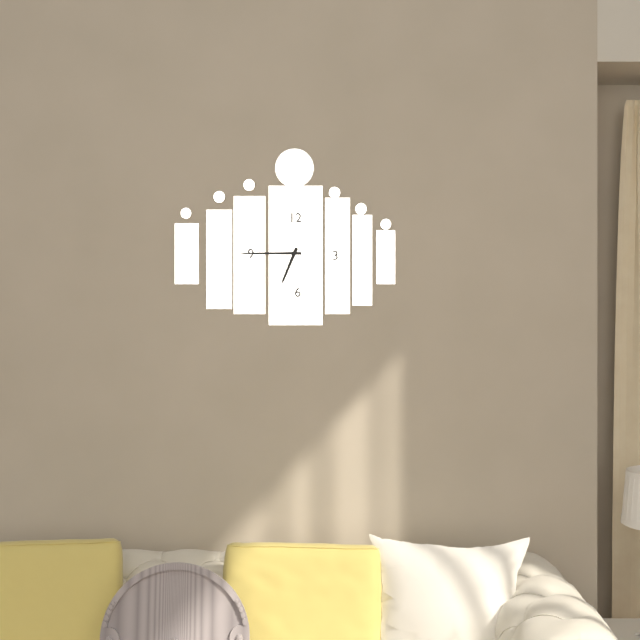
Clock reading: 6.45.57
